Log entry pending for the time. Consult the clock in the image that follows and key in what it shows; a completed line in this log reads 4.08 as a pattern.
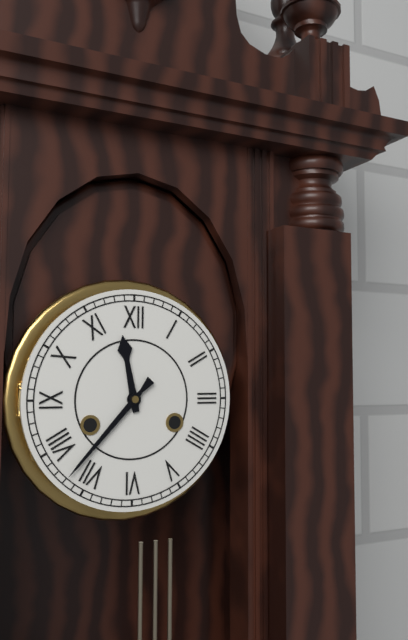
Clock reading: 11.37
